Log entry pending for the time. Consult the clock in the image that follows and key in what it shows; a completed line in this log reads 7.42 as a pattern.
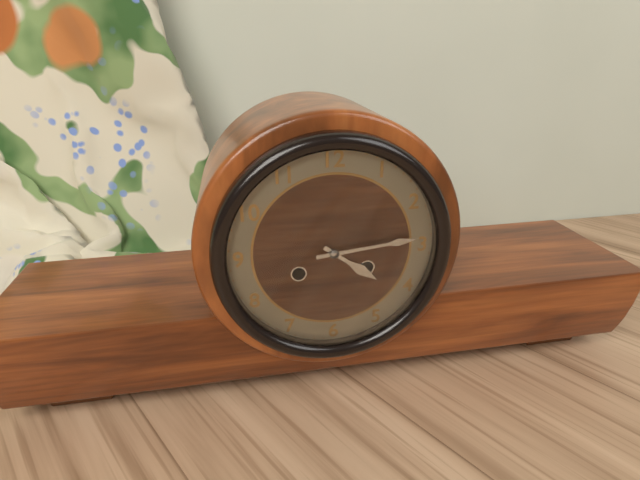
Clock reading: 4.14
